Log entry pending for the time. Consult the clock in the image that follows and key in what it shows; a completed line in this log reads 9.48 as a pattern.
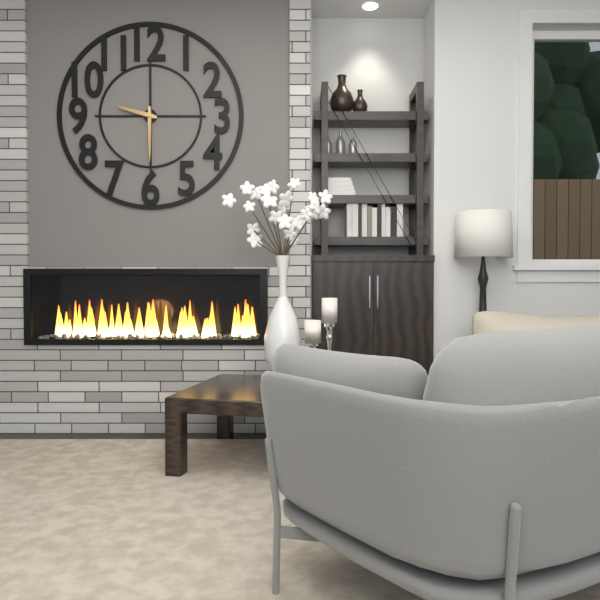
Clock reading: 9.30
